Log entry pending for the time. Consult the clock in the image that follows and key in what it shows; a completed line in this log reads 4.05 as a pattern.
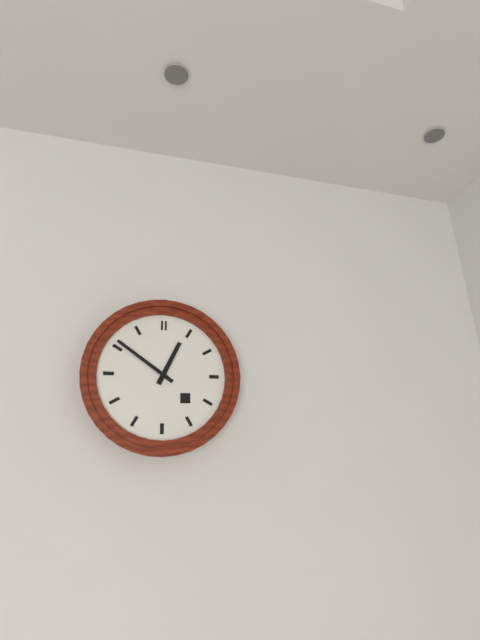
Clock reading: 12.51
